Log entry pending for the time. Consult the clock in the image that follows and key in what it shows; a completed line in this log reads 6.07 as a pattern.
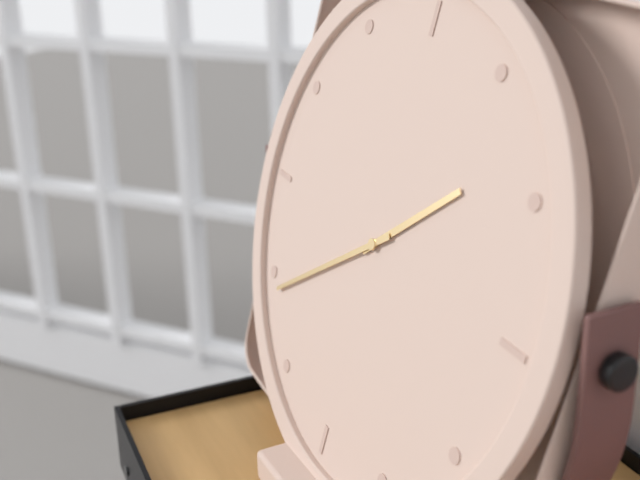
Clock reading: 1.39
